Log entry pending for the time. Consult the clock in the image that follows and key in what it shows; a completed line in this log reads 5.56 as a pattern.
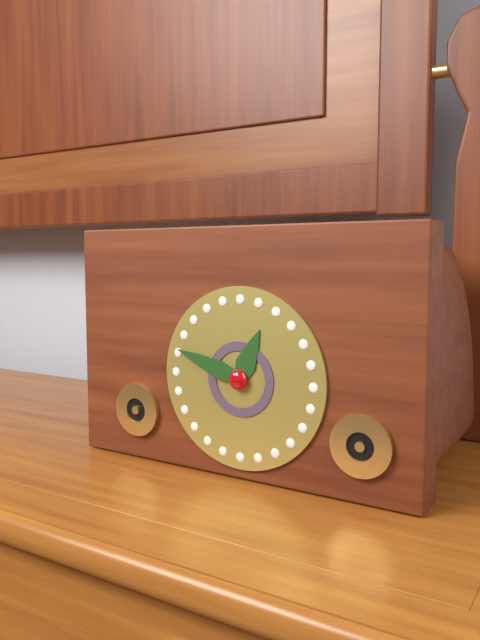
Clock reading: 12.48
